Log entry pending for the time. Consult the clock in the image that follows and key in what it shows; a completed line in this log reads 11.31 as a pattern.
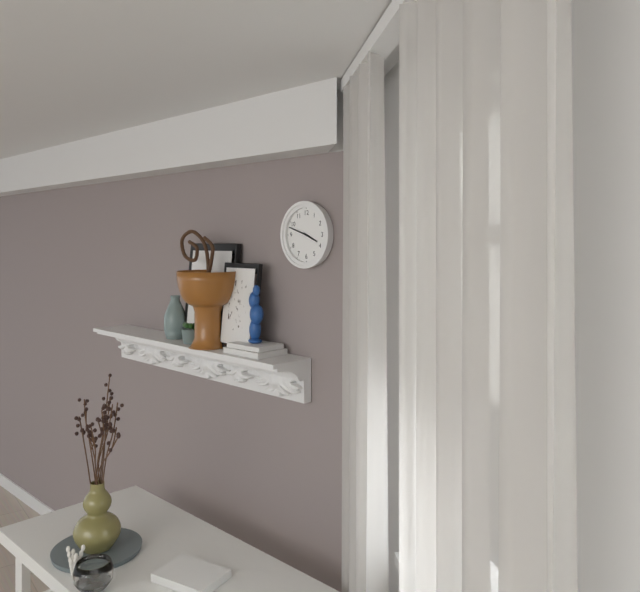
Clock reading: 3.48
